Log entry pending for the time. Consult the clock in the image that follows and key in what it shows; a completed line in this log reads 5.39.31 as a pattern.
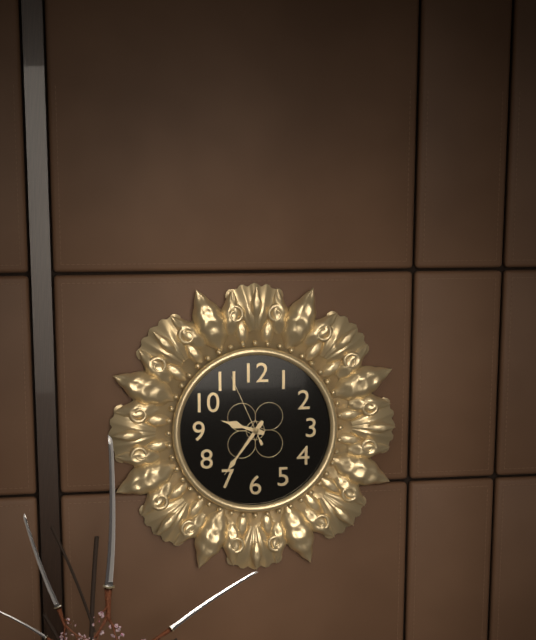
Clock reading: 9.36.56
